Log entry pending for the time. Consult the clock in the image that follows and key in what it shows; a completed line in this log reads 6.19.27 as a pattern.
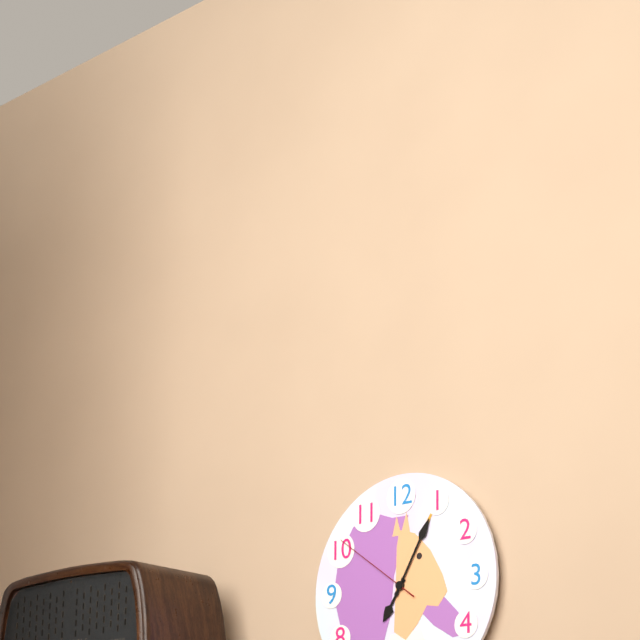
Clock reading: 7.05.51
